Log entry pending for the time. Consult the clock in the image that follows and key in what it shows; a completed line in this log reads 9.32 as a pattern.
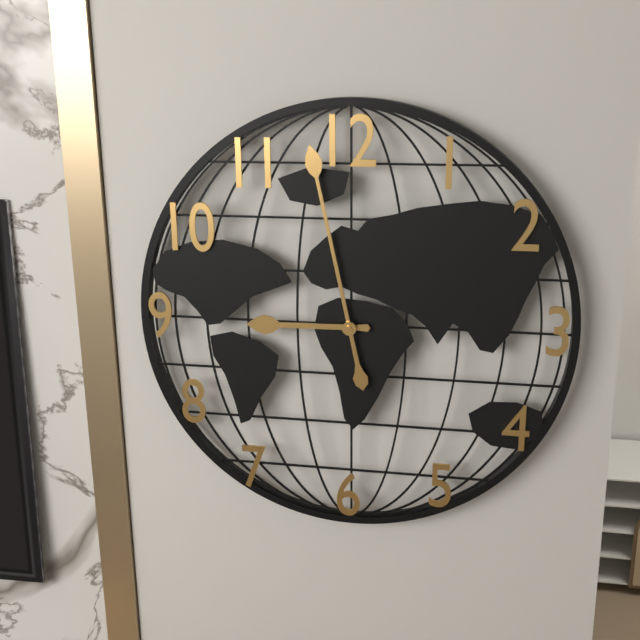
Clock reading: 8.58
